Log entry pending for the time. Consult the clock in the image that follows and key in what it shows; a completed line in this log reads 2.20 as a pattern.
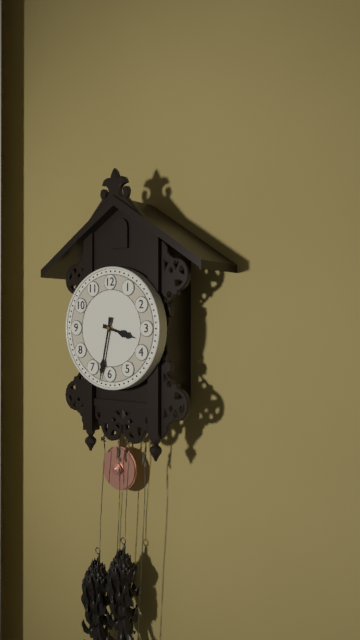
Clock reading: 3.32
